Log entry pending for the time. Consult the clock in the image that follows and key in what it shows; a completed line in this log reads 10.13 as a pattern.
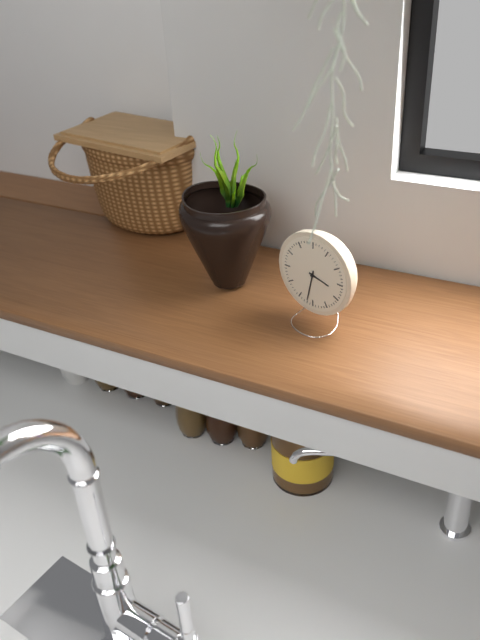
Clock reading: 3.32
